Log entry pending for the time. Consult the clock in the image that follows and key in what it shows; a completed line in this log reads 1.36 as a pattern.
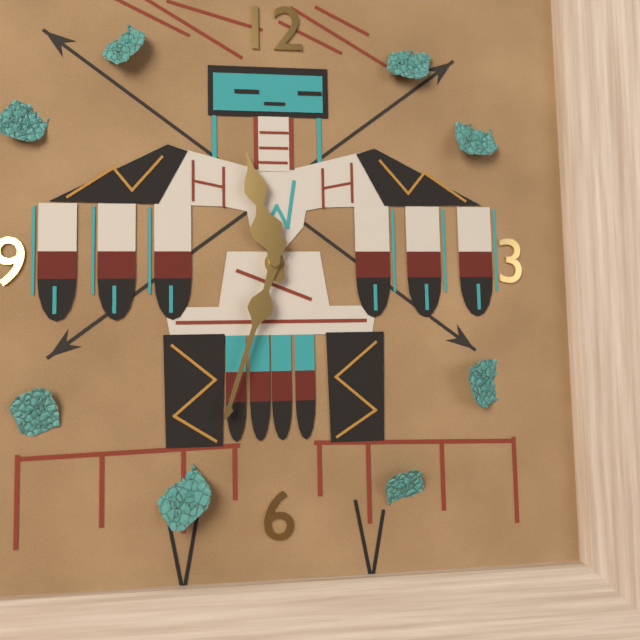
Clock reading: 11.33
